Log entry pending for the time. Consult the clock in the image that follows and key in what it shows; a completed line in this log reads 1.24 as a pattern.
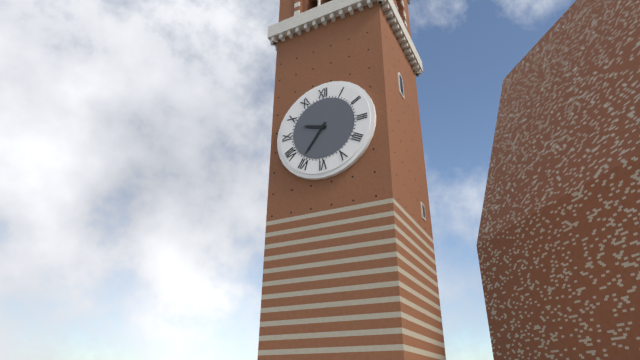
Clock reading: 9.36
